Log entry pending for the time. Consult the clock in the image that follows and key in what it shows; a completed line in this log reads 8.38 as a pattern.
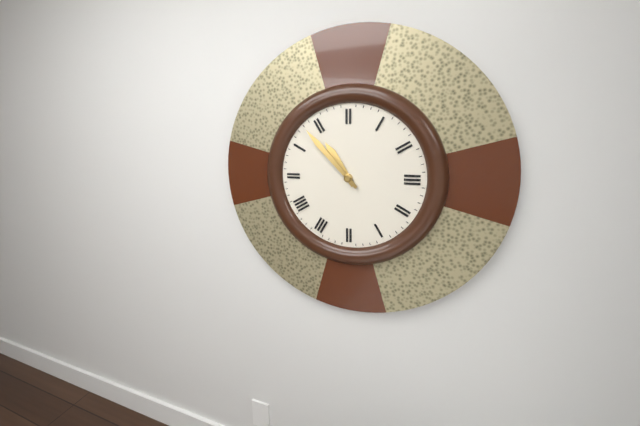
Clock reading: 10.53
